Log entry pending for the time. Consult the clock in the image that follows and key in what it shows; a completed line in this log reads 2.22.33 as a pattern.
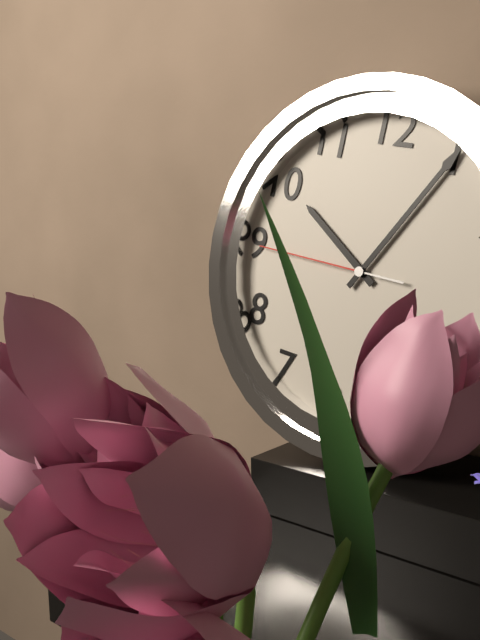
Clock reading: 10.05.45
